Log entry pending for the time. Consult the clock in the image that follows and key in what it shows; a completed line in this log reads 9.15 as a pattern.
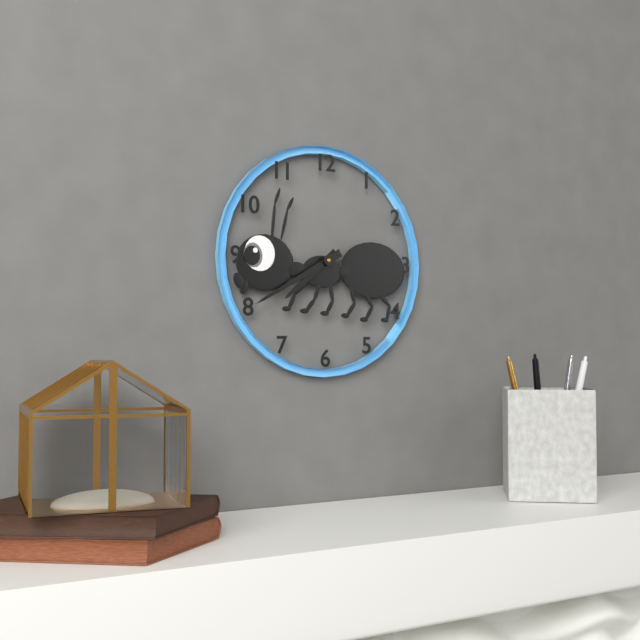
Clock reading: 7.40
